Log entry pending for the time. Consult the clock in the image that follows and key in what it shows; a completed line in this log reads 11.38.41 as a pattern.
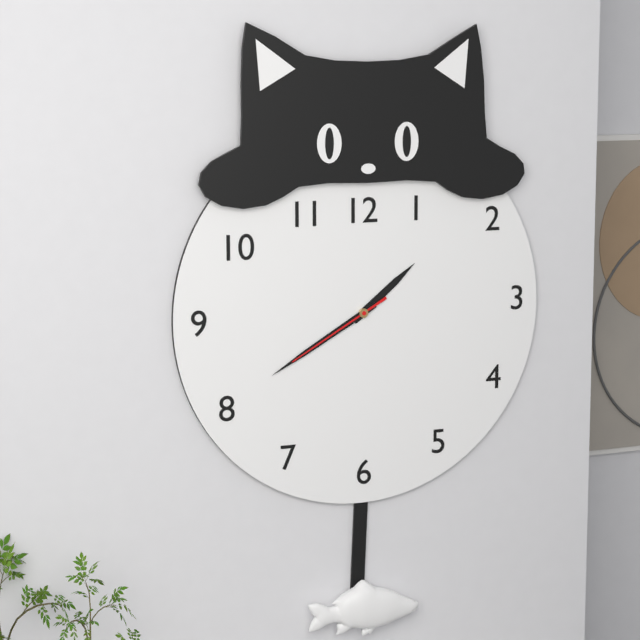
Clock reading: 1.40.40
